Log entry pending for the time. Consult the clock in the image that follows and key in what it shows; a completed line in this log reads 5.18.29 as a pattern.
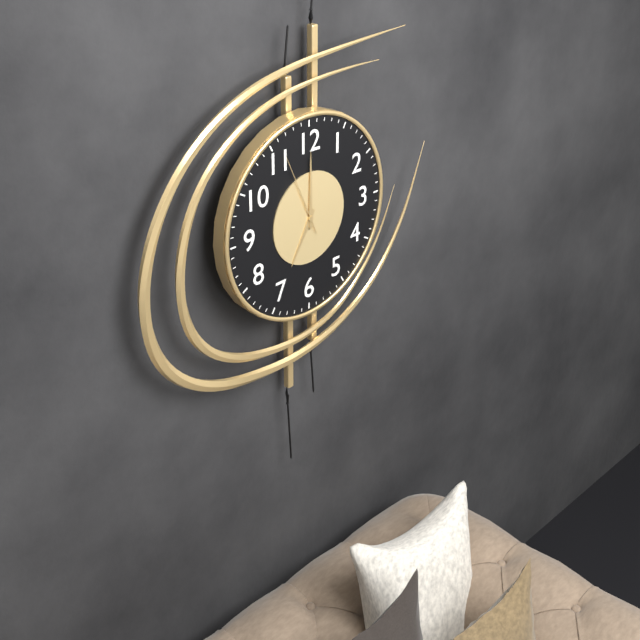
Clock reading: 7.00.56
